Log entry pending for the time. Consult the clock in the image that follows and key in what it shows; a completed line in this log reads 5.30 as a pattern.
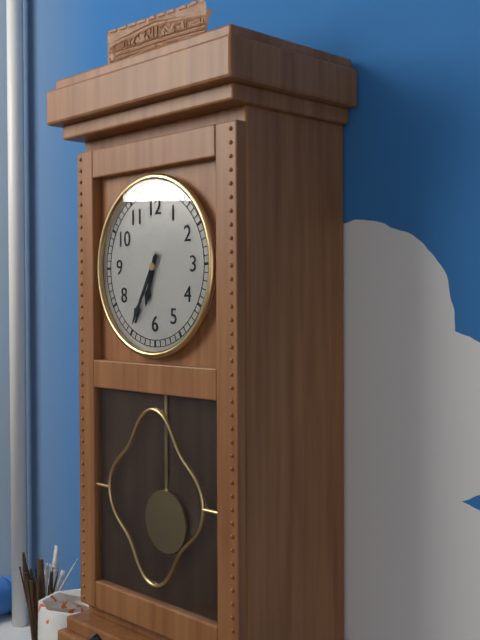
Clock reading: 6.35
